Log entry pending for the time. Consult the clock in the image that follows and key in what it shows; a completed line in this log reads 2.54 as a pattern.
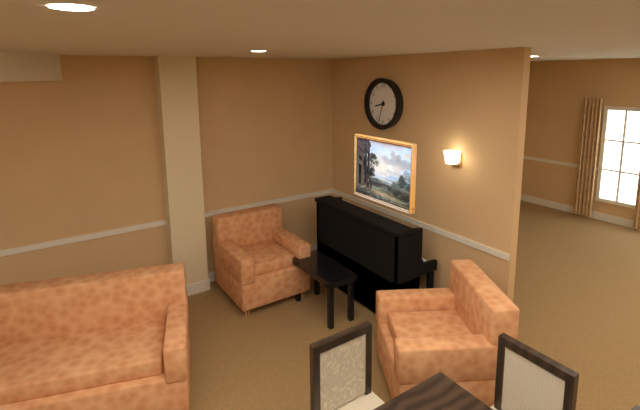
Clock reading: 8.33
